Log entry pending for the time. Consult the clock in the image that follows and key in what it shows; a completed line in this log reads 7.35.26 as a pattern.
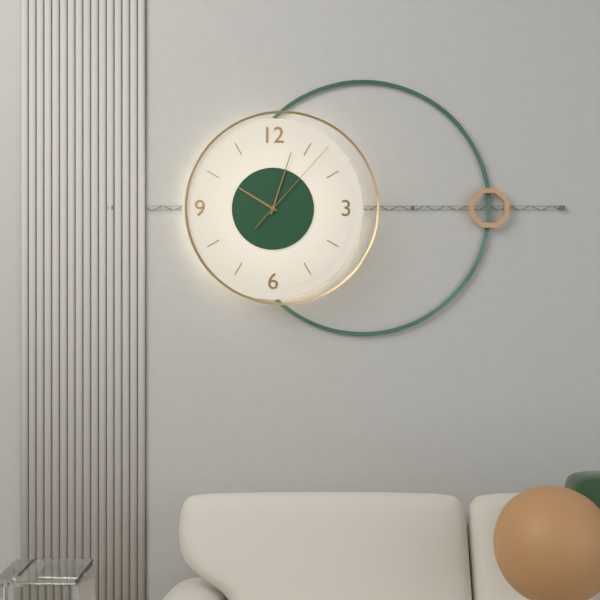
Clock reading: 10.03.07
